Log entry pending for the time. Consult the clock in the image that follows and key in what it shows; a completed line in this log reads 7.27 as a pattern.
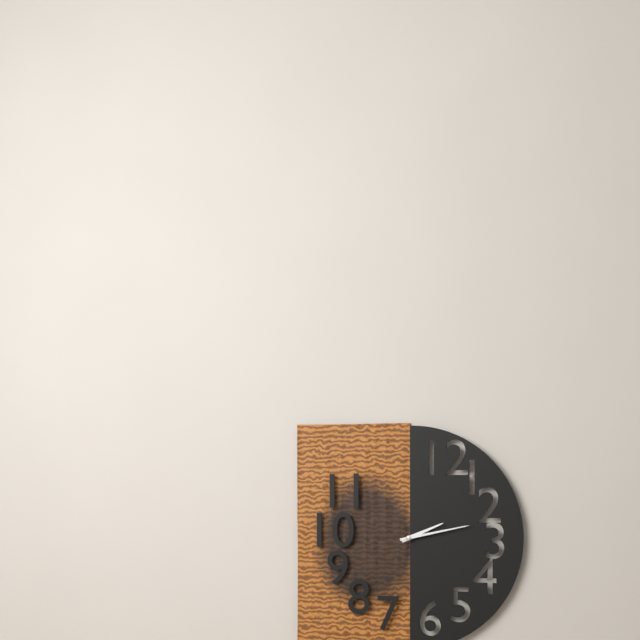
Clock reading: 2.13
